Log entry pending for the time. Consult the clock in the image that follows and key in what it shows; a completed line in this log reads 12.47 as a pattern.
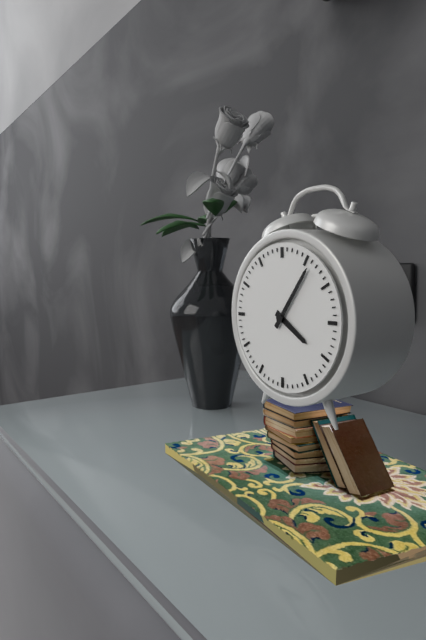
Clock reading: 4.06
